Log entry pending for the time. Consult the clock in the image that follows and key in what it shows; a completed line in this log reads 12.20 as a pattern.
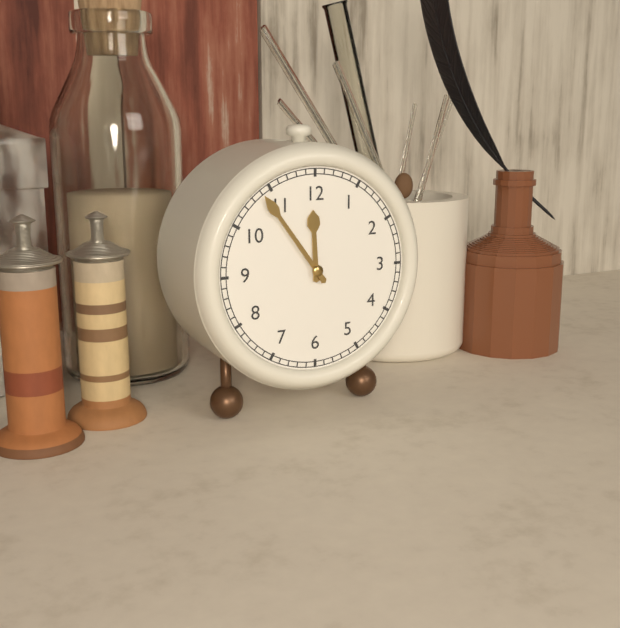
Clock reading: 11.54
